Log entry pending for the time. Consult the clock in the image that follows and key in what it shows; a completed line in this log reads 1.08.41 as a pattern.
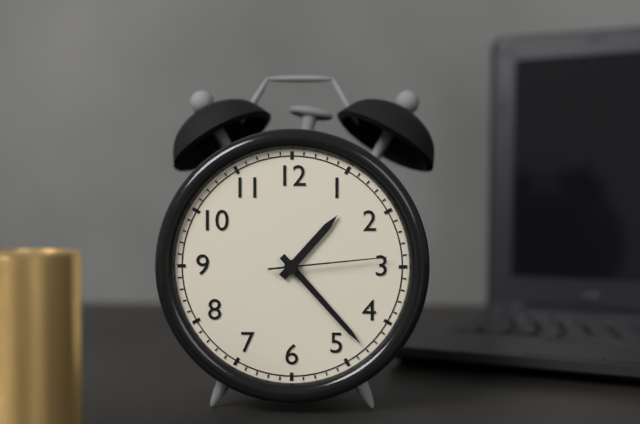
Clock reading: 1.23.14
